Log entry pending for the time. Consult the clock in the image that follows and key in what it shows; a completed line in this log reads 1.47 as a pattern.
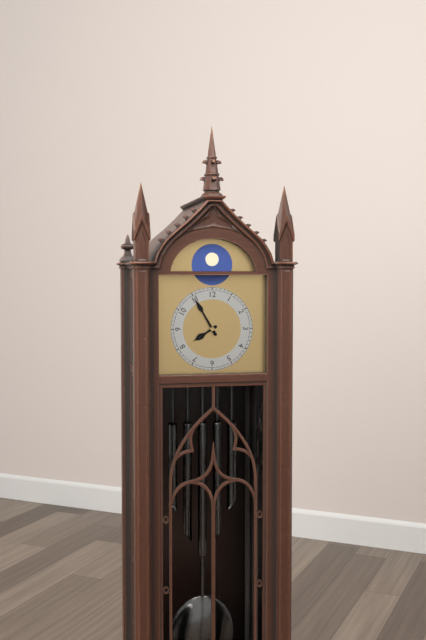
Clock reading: 7.55
